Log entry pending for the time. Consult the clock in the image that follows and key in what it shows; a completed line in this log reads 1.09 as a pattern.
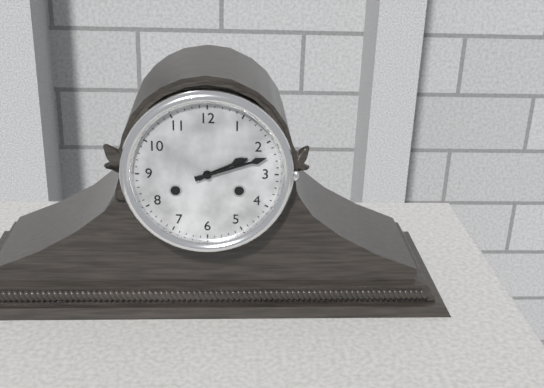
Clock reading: 2.12
